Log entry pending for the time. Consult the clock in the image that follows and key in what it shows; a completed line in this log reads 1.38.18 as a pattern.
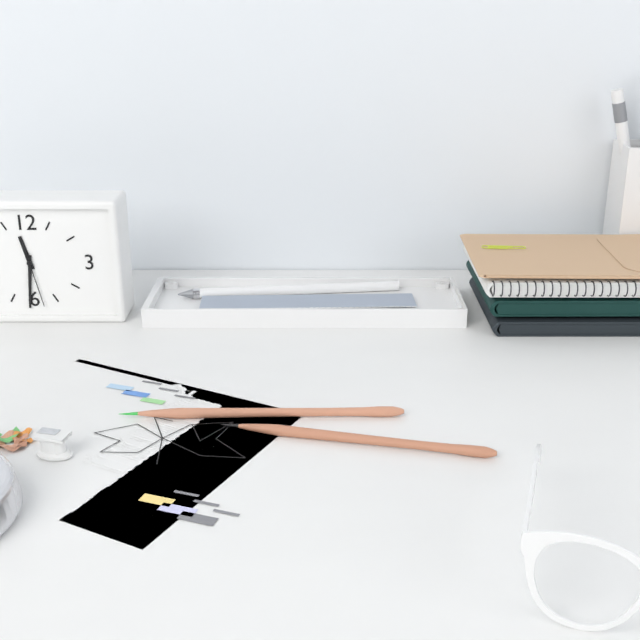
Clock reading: 11.31.28
